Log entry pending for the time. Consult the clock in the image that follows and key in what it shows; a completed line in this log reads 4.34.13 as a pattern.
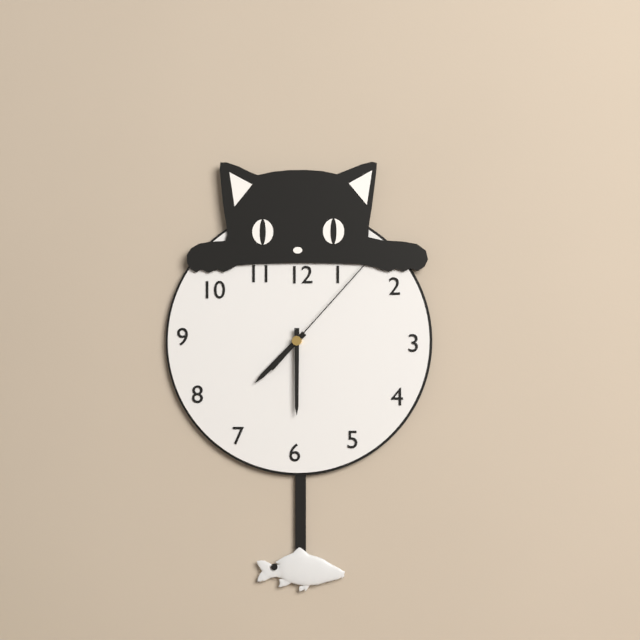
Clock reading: 7.30.07
